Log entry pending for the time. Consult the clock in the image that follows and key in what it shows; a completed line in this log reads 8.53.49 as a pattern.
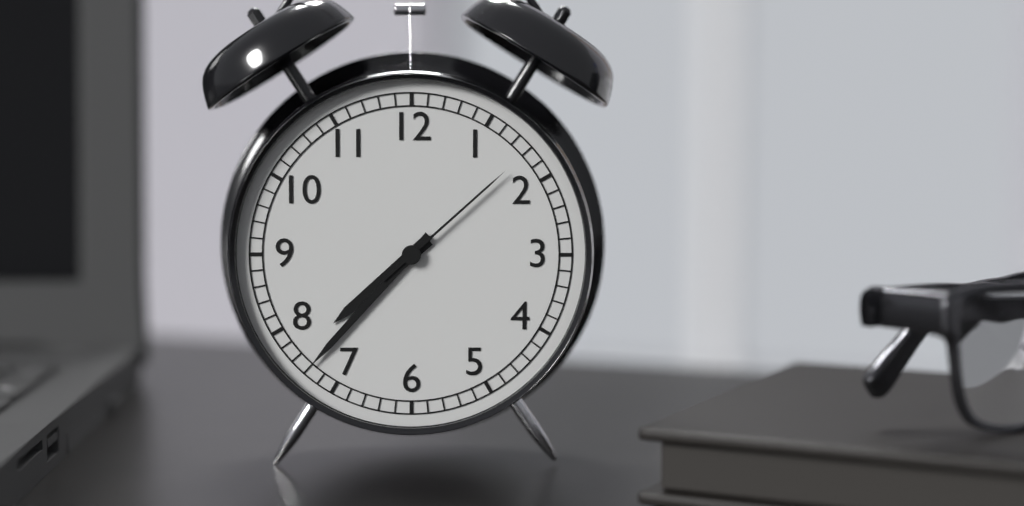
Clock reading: 7.37.08
